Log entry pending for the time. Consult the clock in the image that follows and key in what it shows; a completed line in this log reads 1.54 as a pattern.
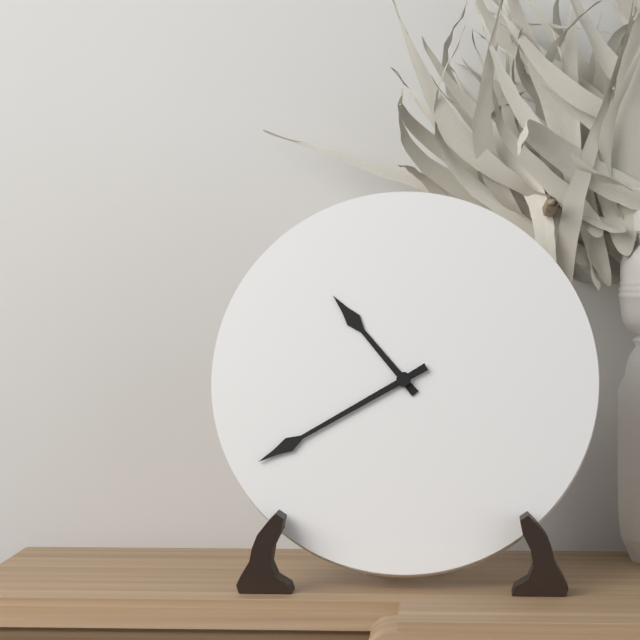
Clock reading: 10.40
